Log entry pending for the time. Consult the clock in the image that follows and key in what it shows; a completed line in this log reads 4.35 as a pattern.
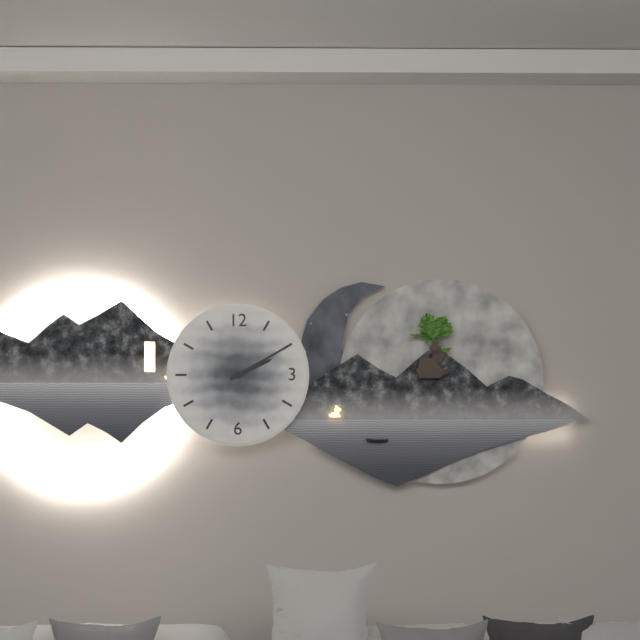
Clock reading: 2.10
